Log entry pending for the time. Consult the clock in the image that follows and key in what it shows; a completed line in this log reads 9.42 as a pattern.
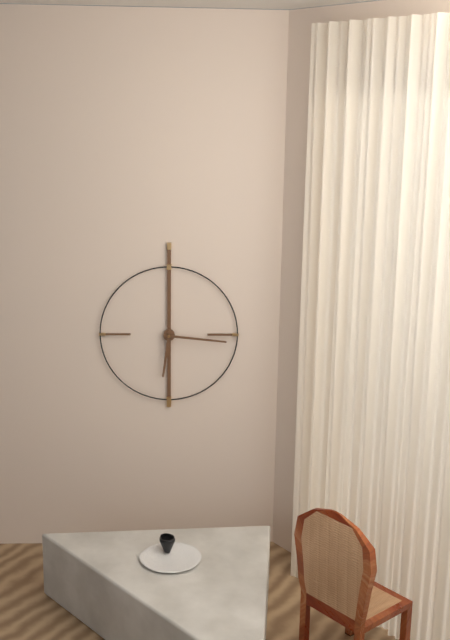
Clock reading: 6.16
